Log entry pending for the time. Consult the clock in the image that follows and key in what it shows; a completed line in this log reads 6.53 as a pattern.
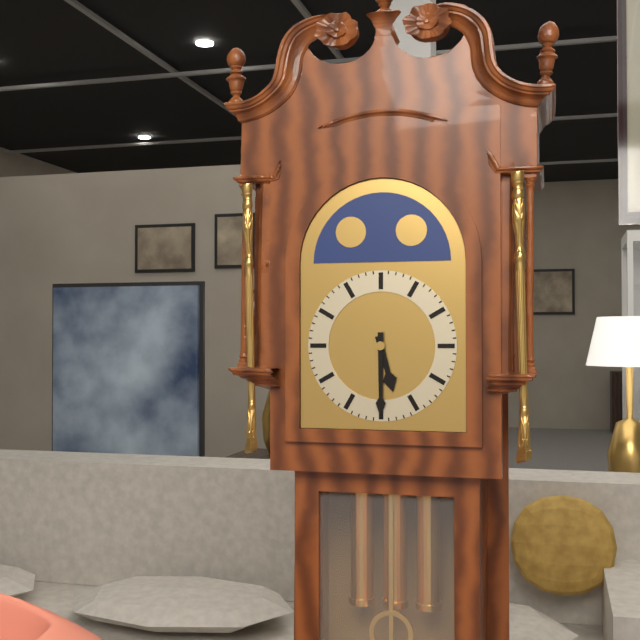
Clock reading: 5.30
